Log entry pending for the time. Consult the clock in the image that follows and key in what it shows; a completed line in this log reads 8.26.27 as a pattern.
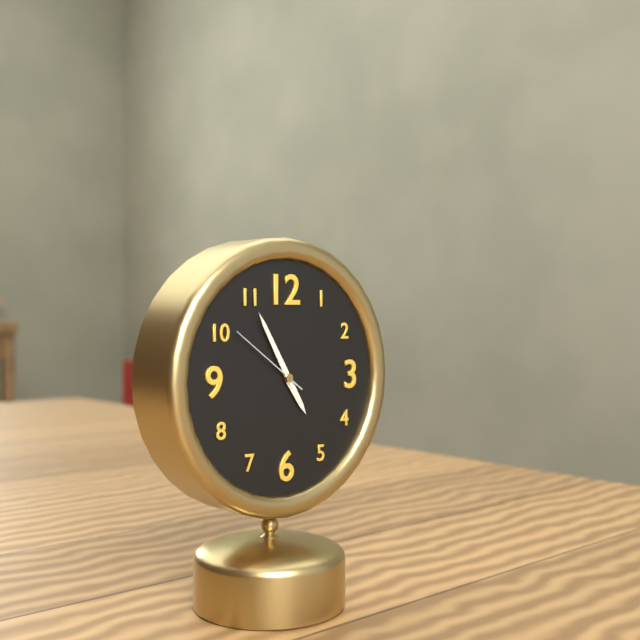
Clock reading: 4.55.51
